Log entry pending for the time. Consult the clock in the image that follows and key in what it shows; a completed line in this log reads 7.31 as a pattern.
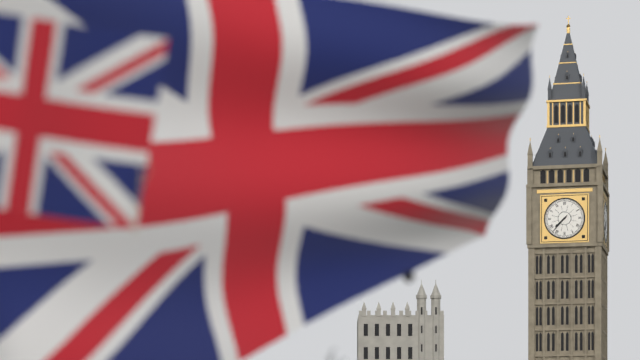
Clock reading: 7.37
